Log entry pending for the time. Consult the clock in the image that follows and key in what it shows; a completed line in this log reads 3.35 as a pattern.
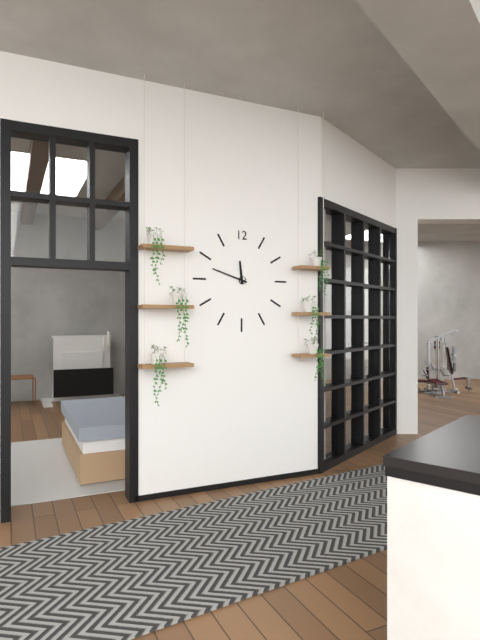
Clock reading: 11.48
